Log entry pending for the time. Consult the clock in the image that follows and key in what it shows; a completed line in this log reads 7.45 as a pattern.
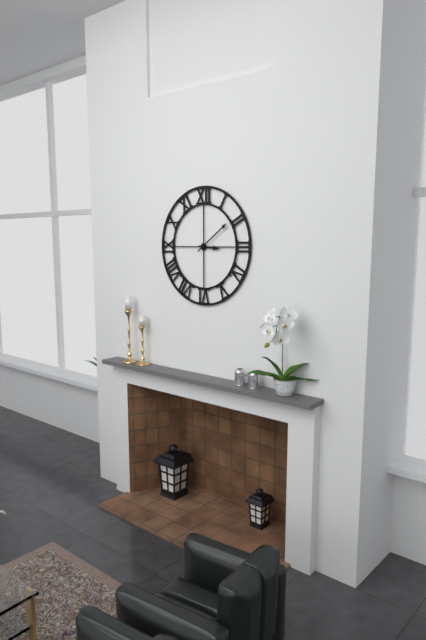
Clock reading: 3.09
